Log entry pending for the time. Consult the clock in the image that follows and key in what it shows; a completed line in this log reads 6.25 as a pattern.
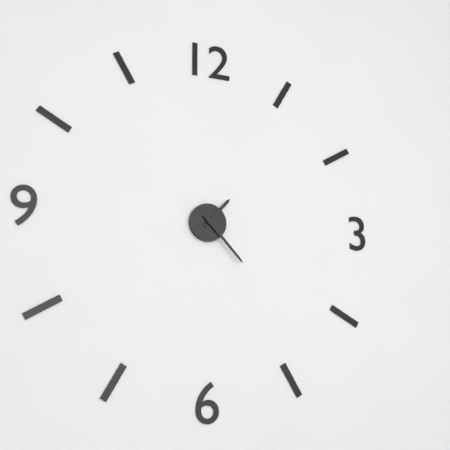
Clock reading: 1.23
